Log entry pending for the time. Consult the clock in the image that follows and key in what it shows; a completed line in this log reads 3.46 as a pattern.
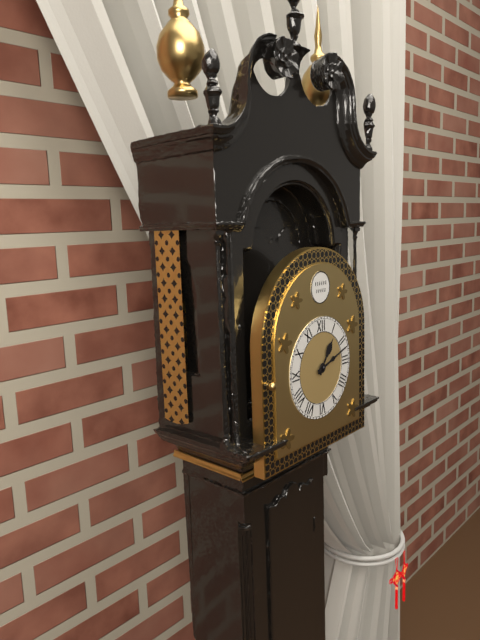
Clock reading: 1.12
